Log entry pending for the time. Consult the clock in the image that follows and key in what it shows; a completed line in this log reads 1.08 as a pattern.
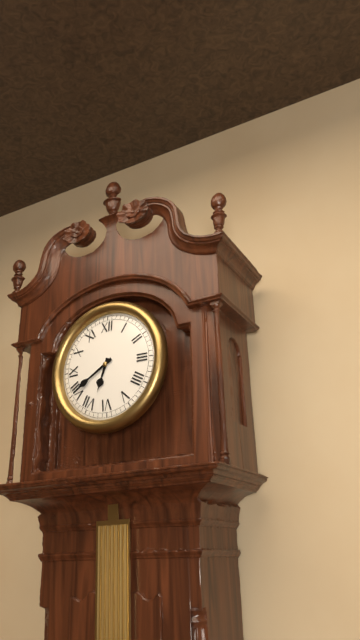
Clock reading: 6.40
